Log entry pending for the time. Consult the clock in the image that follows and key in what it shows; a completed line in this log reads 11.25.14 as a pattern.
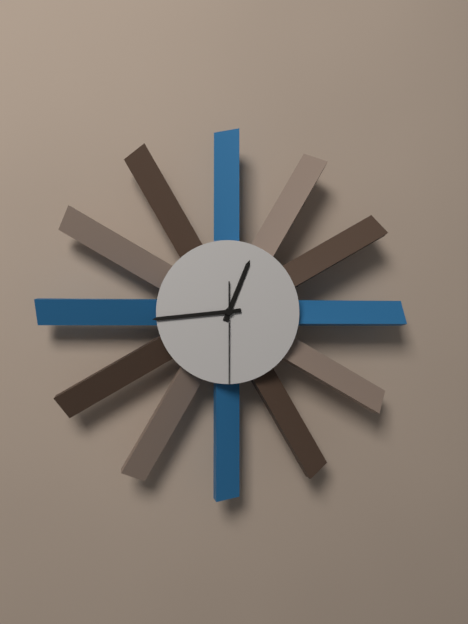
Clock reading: 12.44.30
